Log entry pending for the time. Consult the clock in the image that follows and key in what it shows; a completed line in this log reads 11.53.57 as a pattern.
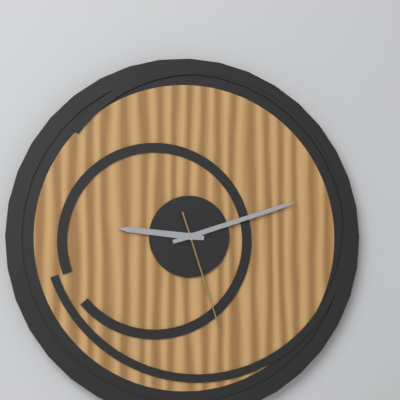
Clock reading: 9.12.27
